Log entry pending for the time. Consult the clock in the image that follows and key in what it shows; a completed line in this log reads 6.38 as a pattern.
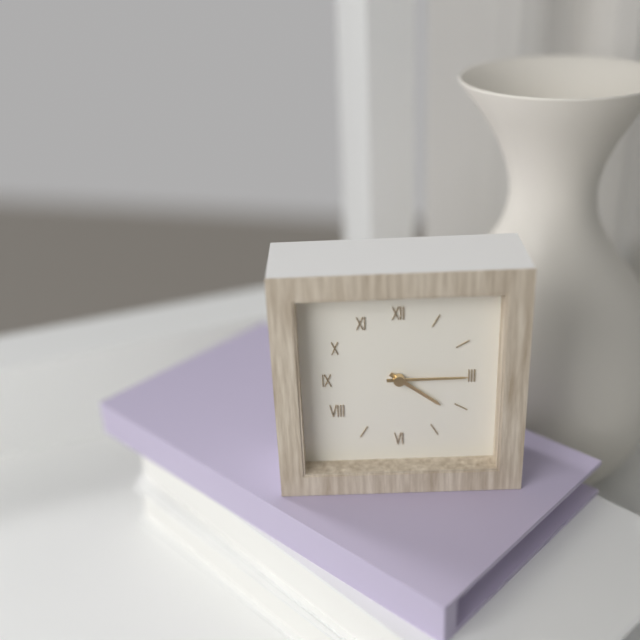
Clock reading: 4.15
